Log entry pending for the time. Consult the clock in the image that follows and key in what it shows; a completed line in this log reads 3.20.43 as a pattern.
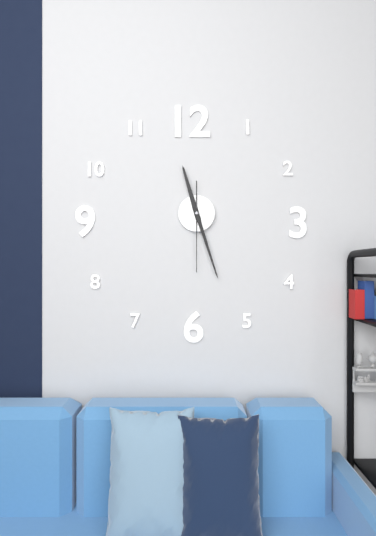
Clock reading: 11.27.30
